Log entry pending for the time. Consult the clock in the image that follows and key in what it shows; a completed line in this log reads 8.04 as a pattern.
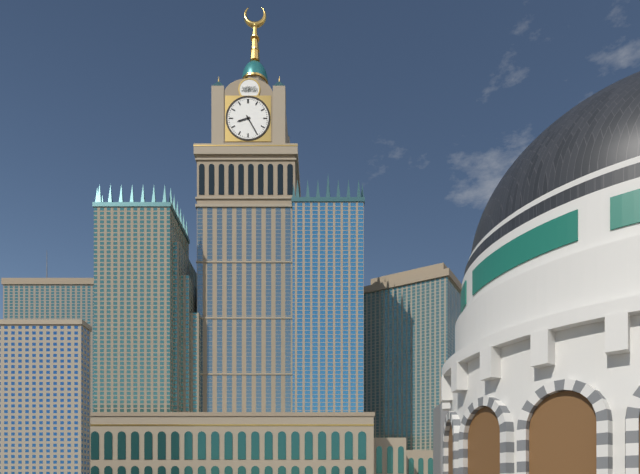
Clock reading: 8.25
